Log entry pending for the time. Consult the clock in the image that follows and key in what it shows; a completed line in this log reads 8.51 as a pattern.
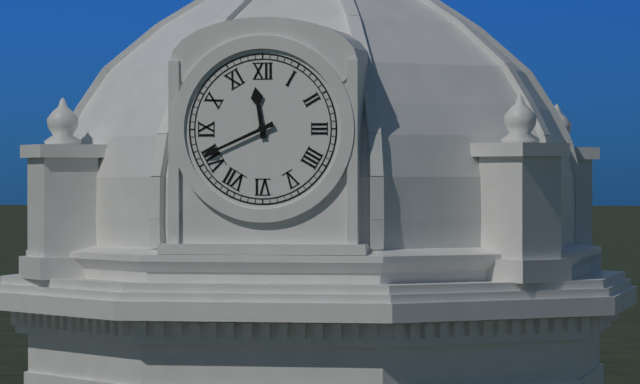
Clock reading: 11.41
